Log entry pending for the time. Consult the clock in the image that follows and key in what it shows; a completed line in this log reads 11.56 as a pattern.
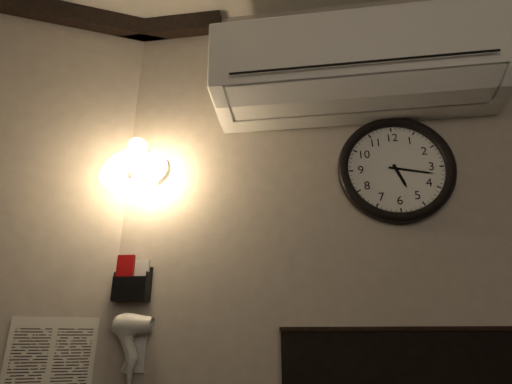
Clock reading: 5.17
